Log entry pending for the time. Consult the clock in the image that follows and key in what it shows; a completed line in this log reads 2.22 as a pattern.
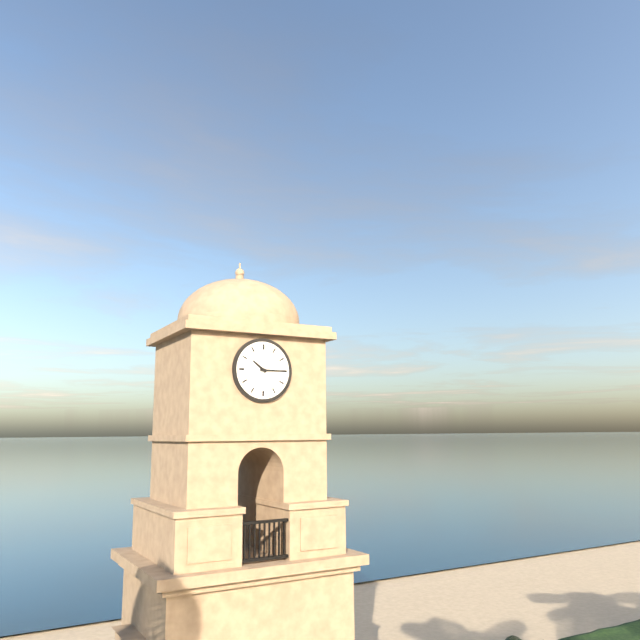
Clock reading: 10.15
